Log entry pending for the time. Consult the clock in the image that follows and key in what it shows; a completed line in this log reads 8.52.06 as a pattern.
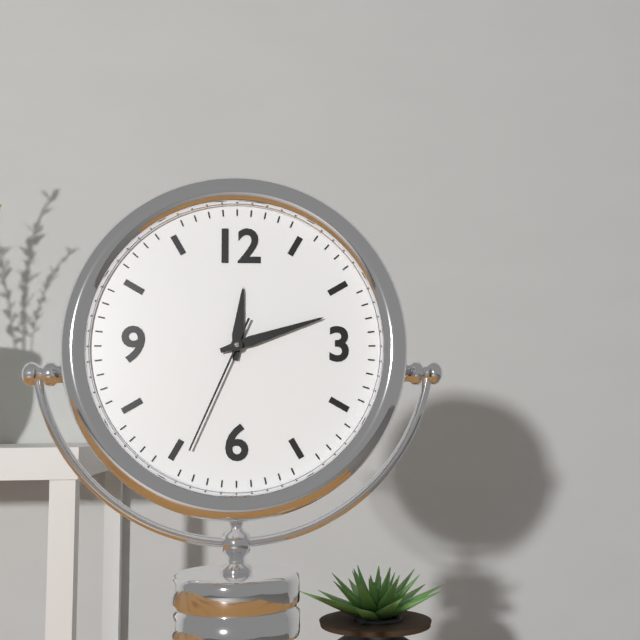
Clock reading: 12.12.34
